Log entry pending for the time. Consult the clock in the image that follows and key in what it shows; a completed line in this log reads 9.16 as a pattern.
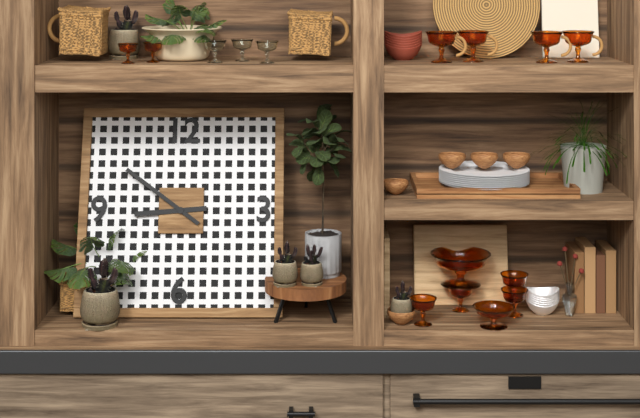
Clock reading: 8.51
